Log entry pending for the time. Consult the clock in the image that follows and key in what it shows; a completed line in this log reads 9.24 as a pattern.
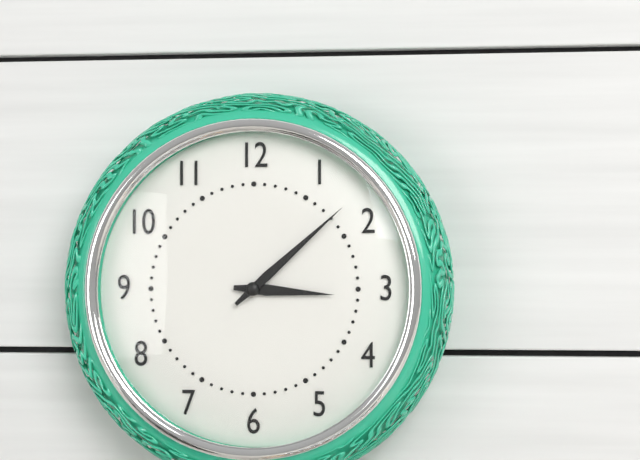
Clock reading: 3.08
